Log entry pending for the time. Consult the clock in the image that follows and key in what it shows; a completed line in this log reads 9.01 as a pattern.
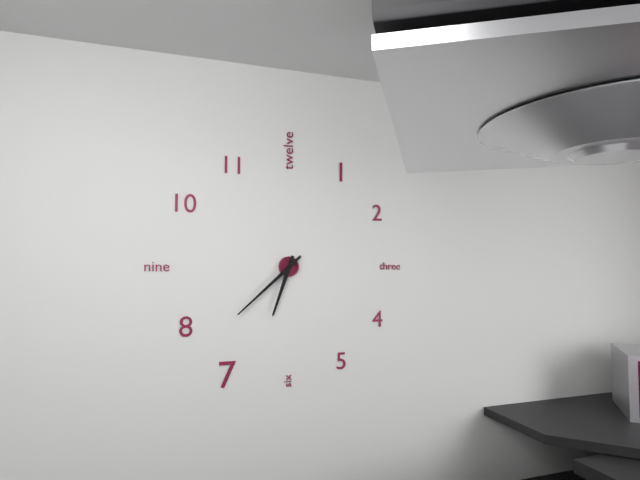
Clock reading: 6.38
